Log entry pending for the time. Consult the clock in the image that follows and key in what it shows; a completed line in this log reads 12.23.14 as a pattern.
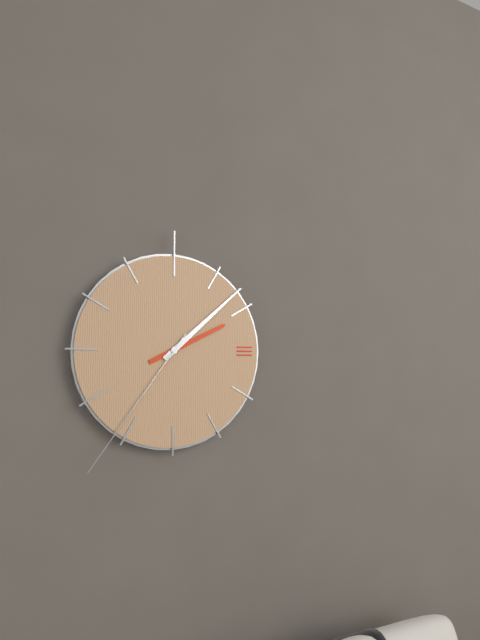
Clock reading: 2.08.36
